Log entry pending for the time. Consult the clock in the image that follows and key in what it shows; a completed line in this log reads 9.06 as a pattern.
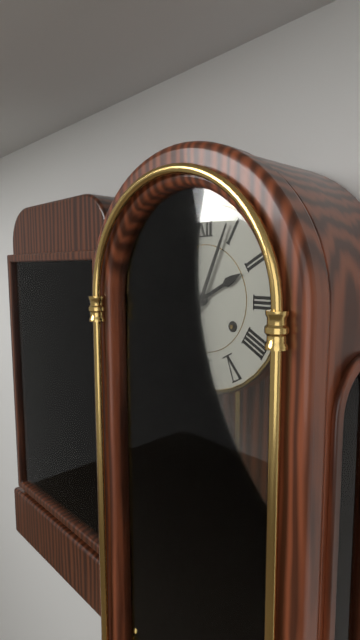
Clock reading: 2.04
